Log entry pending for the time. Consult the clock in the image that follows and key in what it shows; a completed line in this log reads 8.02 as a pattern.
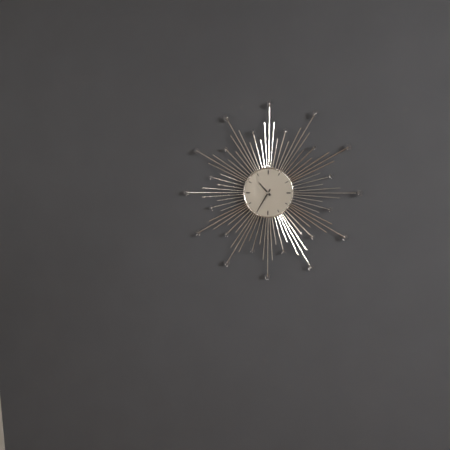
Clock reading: 10.35
